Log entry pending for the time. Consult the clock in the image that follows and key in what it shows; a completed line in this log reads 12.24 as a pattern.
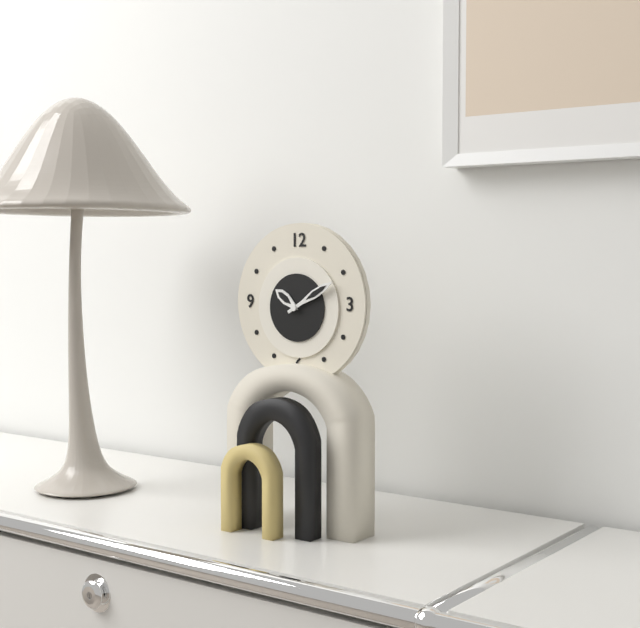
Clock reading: 10.10
